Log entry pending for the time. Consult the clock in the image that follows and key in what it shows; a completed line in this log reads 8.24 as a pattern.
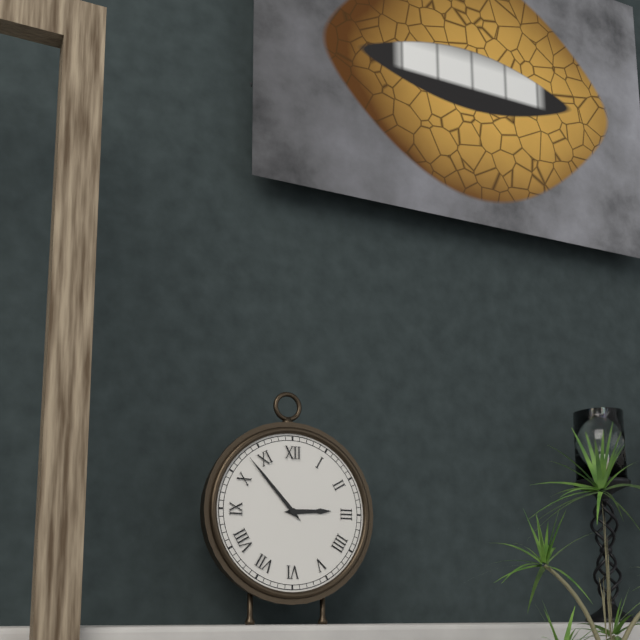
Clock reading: 2.53
